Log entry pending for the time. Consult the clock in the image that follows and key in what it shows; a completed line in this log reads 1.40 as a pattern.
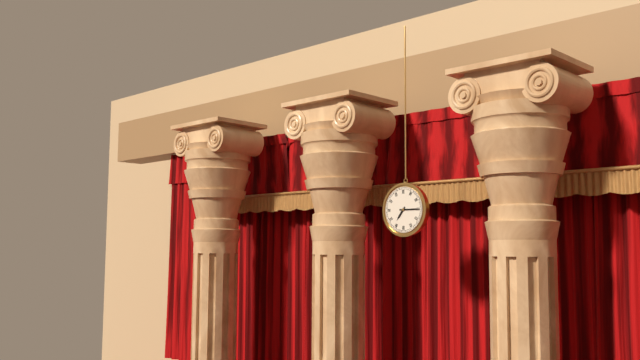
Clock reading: 7.15
